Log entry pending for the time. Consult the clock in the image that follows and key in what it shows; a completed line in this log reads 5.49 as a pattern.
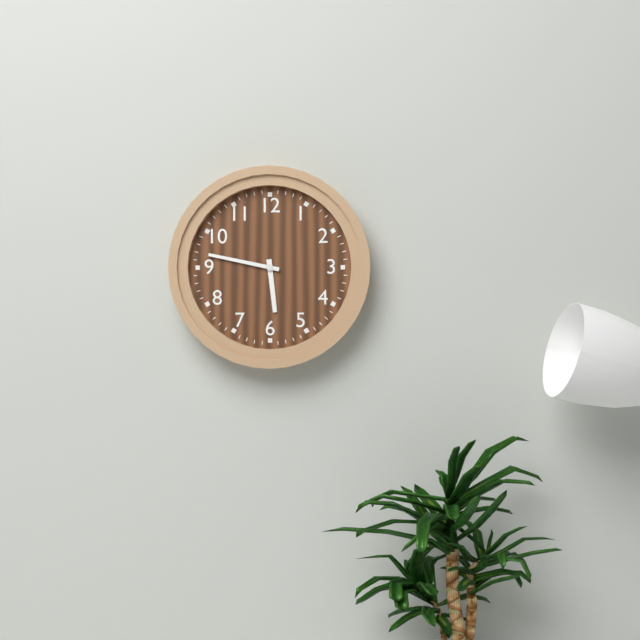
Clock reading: 5.47
